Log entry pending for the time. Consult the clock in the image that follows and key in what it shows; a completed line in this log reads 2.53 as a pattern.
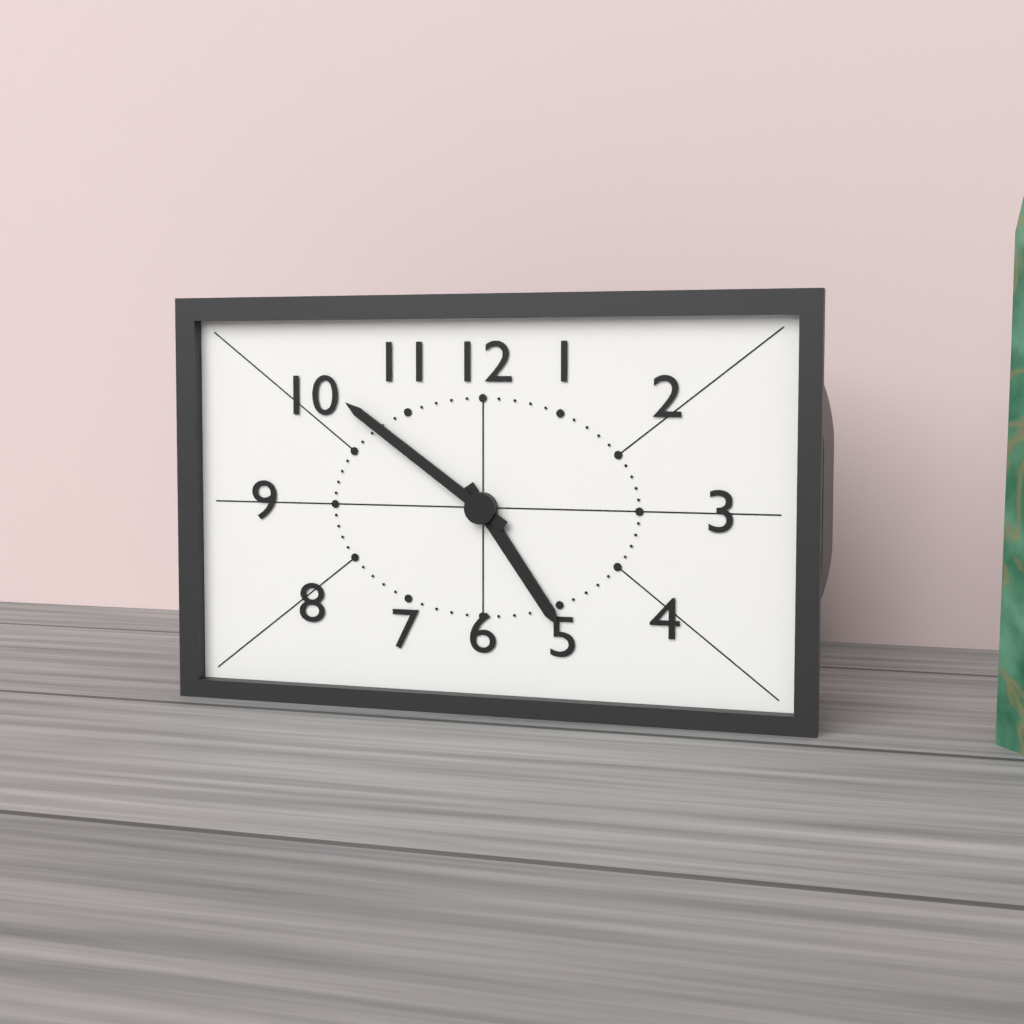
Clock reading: 4.51
